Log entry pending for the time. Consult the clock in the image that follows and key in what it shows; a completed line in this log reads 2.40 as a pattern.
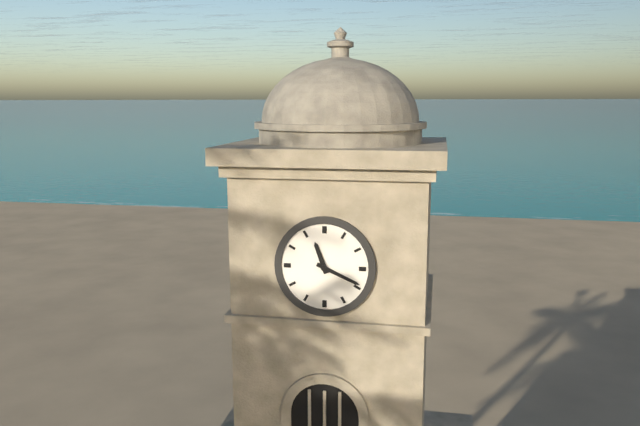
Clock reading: 11.19
